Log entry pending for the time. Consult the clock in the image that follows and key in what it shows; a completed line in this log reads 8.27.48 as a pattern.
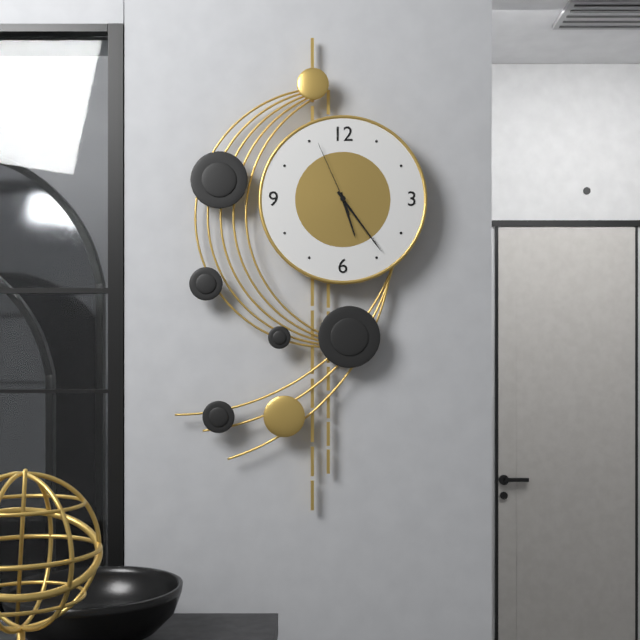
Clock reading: 5.24.56
